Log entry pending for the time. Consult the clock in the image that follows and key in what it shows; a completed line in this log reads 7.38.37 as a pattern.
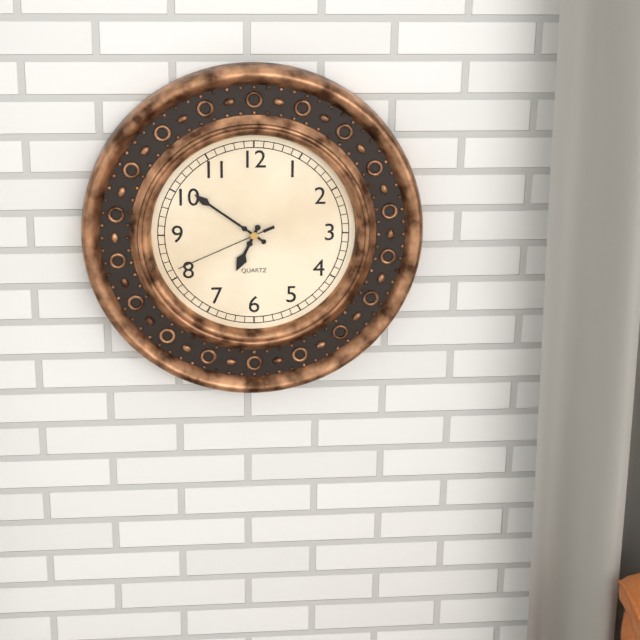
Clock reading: 6.51.41
